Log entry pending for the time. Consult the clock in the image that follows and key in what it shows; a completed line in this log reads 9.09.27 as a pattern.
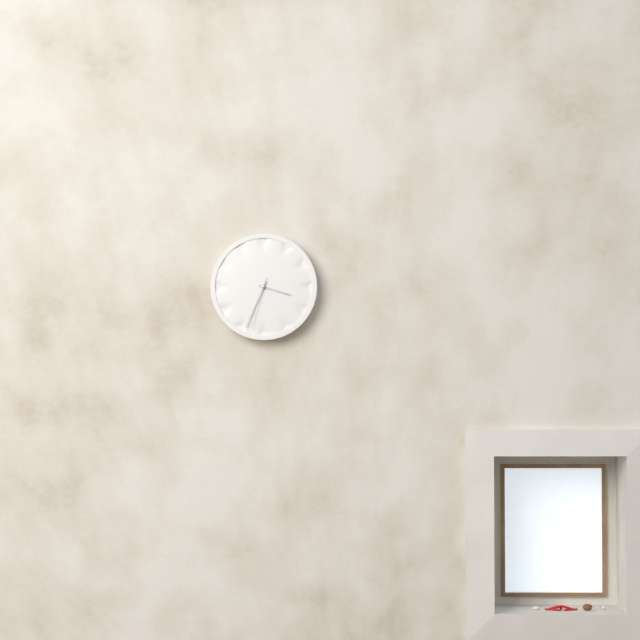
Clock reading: 3.34.33
